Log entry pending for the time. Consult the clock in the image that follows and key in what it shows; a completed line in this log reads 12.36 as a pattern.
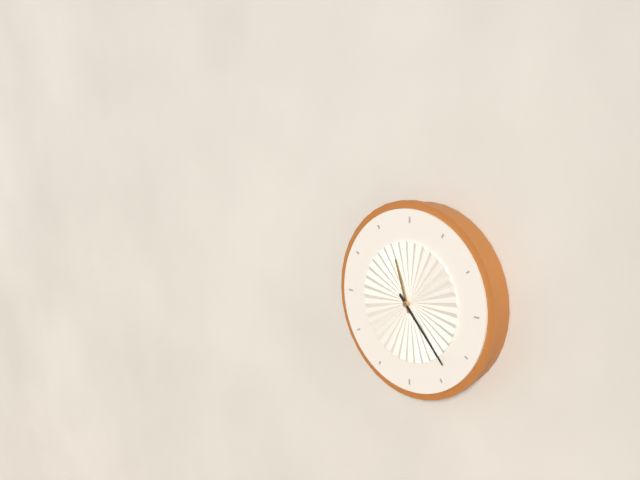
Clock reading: 11.23
